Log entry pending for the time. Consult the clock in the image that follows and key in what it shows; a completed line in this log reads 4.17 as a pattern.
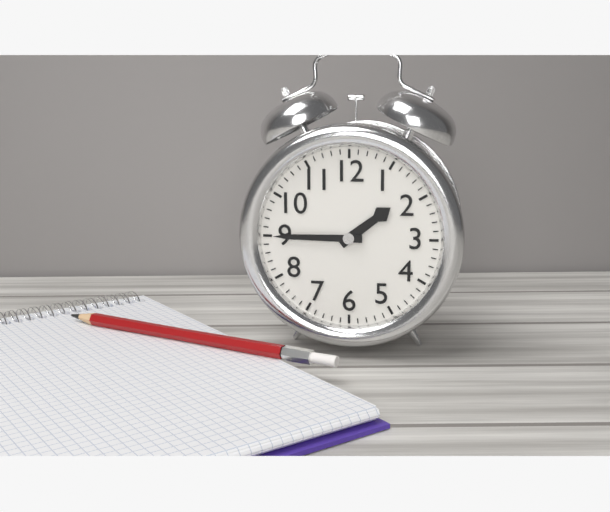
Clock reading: 1.45
